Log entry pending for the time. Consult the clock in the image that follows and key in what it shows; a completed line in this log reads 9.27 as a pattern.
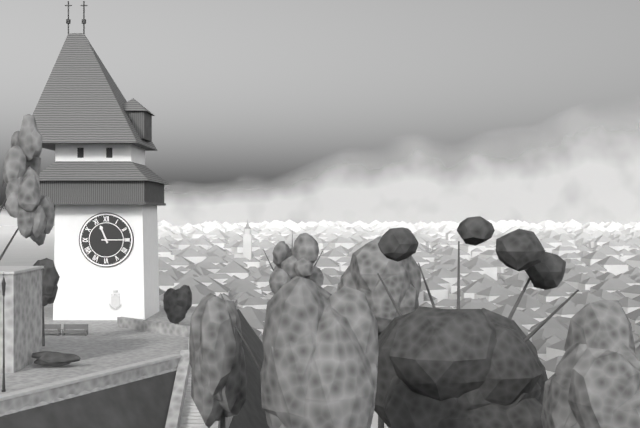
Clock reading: 11.15
